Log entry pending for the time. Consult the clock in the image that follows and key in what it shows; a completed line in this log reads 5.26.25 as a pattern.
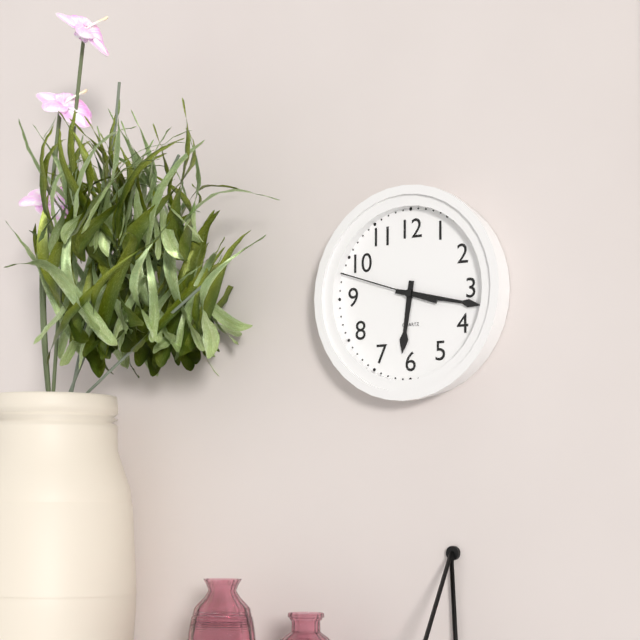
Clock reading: 6.17.48
